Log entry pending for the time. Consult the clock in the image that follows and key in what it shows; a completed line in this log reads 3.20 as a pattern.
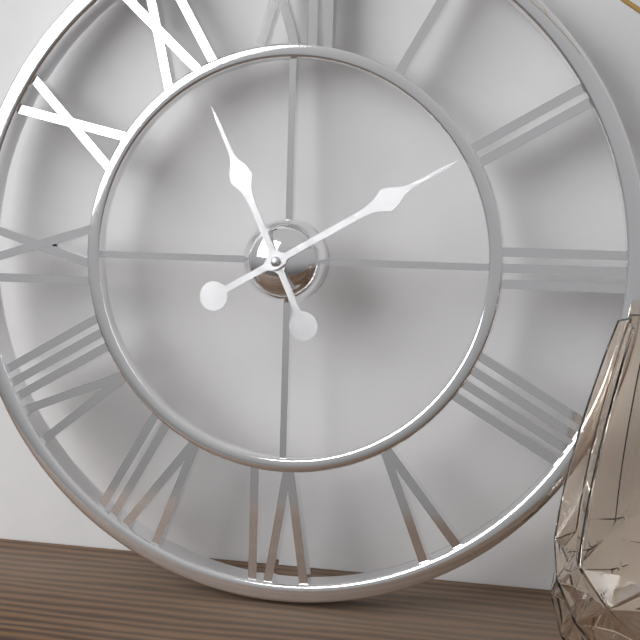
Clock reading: 11.10
